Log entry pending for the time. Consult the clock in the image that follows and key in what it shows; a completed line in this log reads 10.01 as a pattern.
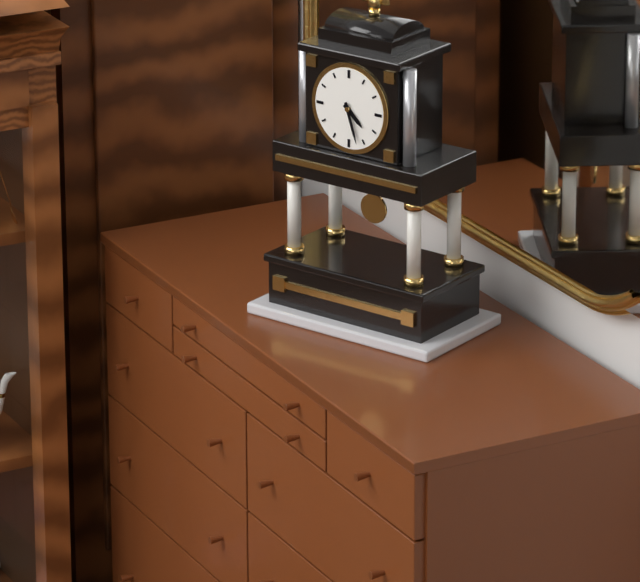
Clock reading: 4.27
